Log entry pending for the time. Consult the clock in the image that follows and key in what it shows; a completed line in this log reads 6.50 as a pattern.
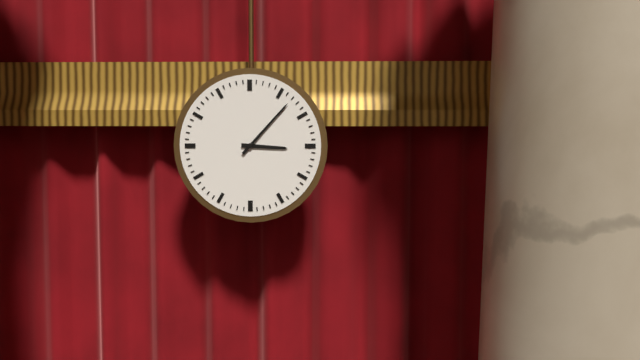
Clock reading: 3.07
